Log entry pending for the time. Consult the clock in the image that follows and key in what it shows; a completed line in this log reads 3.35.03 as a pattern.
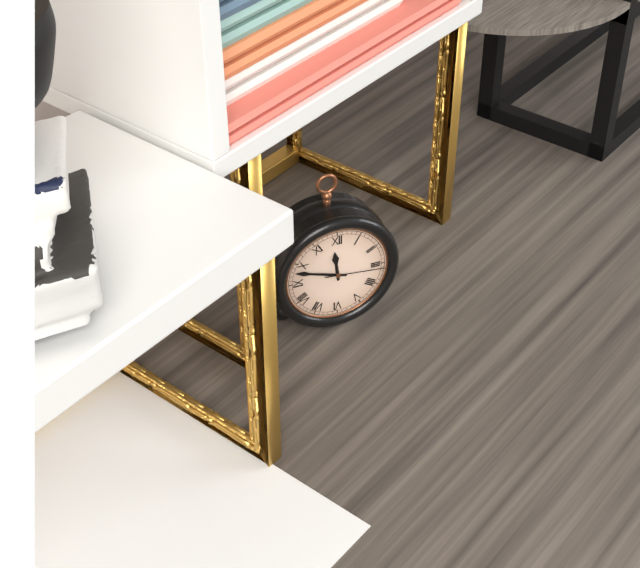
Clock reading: 11.48.16
